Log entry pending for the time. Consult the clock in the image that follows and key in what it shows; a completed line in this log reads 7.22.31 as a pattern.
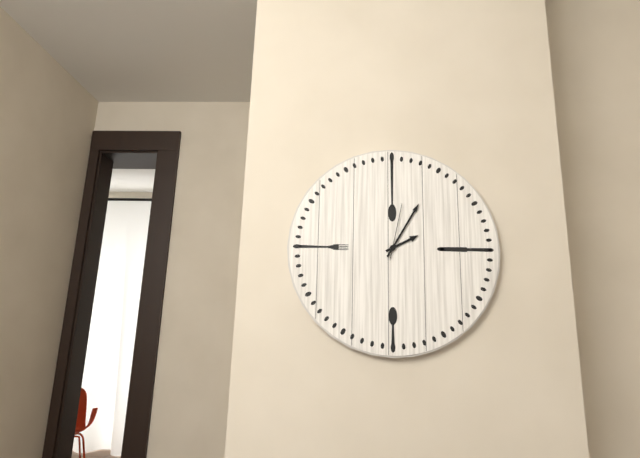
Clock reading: 2.05.02
